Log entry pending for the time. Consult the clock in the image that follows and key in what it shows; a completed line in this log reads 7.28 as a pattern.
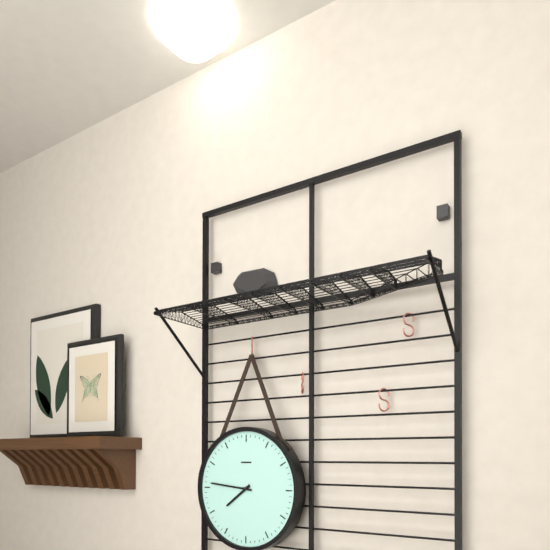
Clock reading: 7.46
